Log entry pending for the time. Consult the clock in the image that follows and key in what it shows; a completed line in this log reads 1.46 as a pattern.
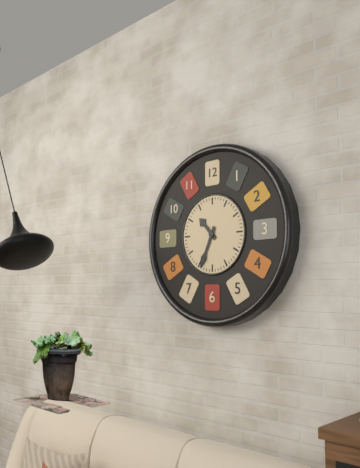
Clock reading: 10.34
